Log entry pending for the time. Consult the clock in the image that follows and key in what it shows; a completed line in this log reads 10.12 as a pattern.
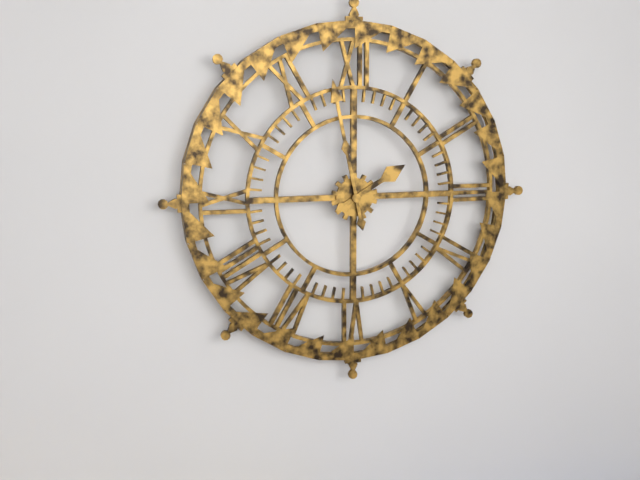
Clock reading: 1.58
